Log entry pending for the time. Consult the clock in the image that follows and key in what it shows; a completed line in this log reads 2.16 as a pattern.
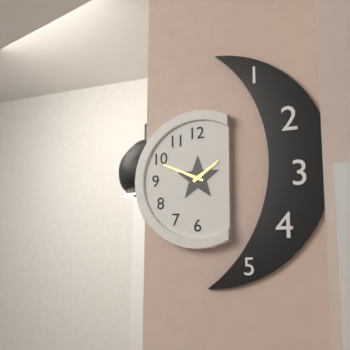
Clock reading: 1.49
